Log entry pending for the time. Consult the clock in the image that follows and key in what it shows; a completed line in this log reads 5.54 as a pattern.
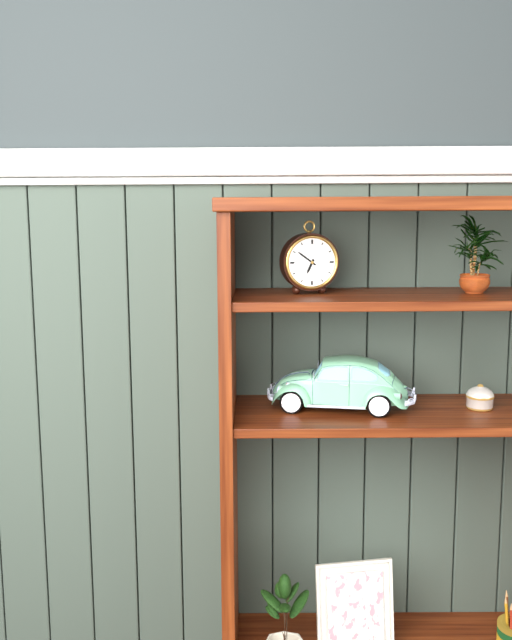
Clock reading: 6.51
